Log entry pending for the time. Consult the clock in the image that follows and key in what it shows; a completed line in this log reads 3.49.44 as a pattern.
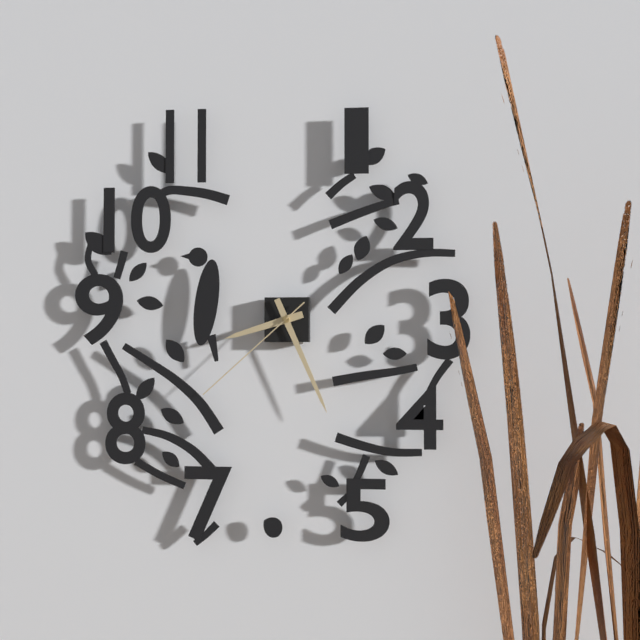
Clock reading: 8.26.38
